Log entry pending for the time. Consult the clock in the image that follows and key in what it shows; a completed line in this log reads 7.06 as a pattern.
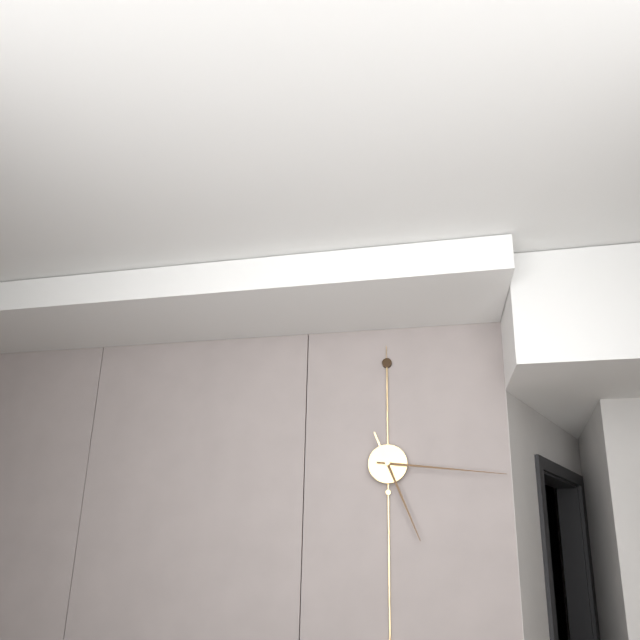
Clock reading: 5.16
